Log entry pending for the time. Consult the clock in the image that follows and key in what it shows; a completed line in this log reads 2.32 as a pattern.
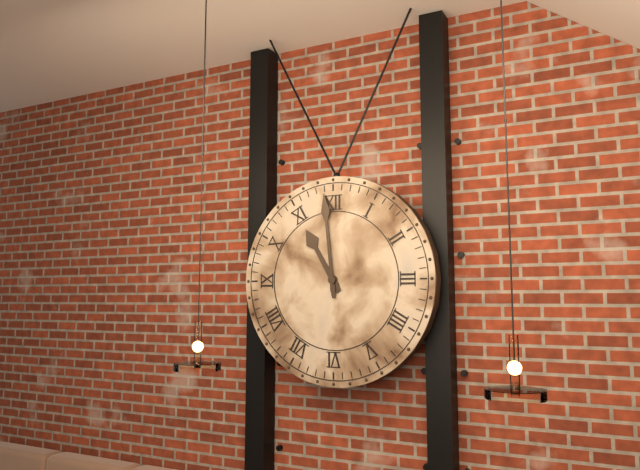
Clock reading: 10.59
